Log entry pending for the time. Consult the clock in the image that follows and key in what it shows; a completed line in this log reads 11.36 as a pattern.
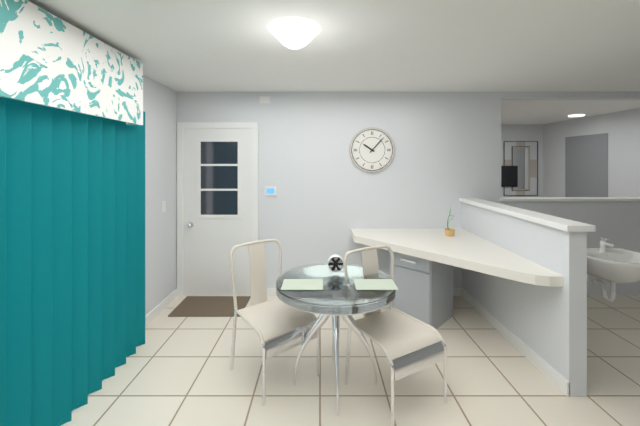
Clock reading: 10.07
